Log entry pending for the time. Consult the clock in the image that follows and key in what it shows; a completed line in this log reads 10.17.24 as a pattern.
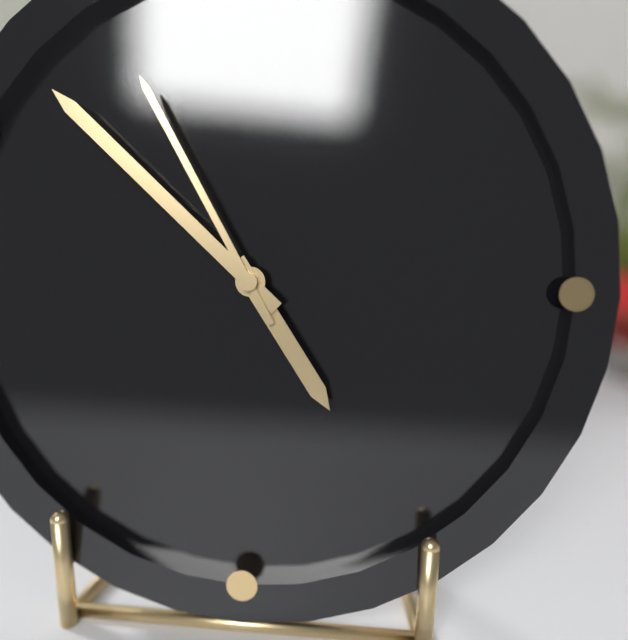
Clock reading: 4.52.55
